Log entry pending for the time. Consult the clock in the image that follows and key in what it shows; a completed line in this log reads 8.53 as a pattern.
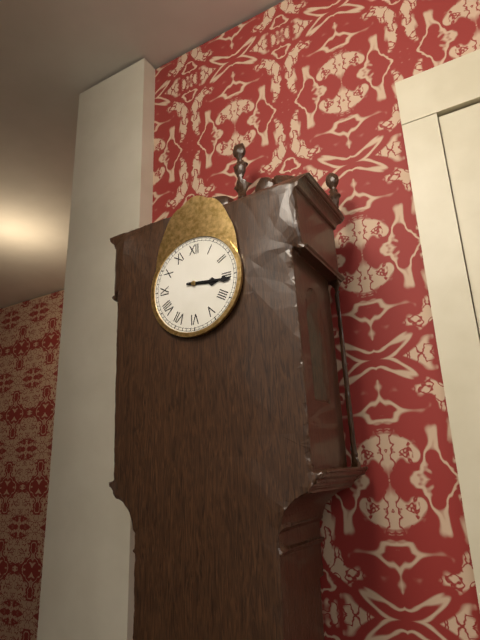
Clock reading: 3.16
